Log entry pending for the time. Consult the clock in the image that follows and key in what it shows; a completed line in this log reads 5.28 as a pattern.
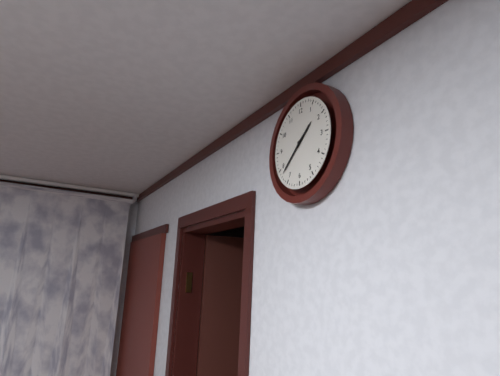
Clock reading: 1.38
